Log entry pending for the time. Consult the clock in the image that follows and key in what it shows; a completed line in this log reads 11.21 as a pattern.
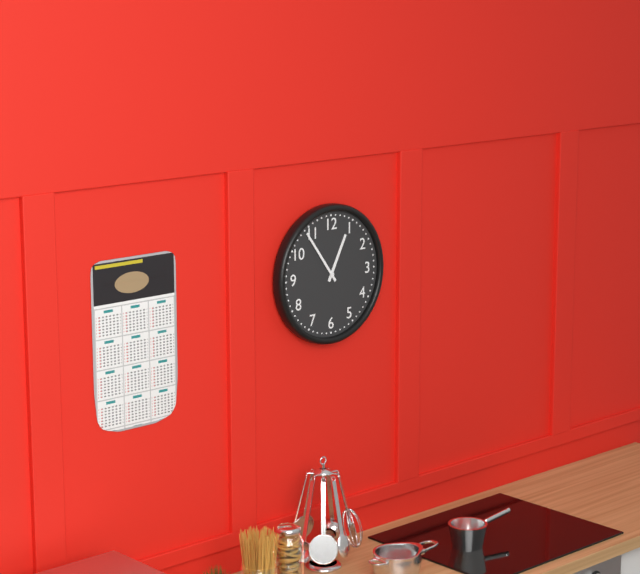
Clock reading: 12.54
